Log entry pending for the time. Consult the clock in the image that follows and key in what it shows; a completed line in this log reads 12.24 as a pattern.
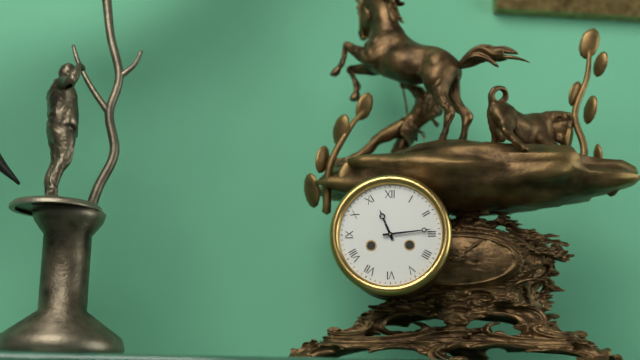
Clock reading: 11.14
